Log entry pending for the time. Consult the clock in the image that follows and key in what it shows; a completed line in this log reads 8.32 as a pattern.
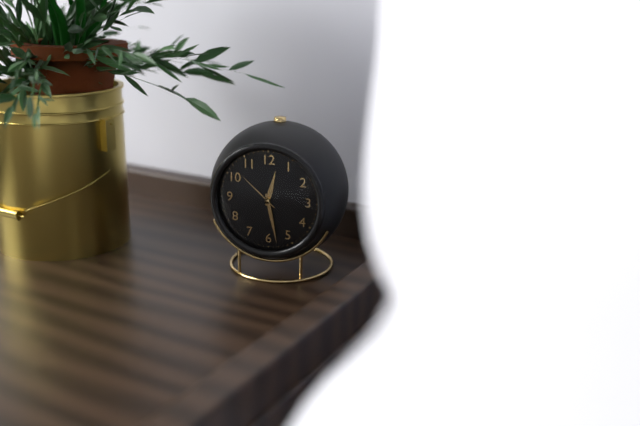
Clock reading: 12.28
